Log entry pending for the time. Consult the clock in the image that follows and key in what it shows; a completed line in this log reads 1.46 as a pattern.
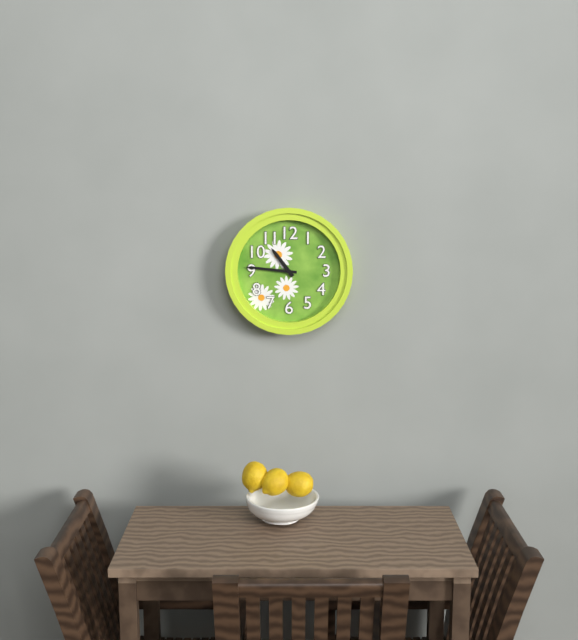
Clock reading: 10.46
